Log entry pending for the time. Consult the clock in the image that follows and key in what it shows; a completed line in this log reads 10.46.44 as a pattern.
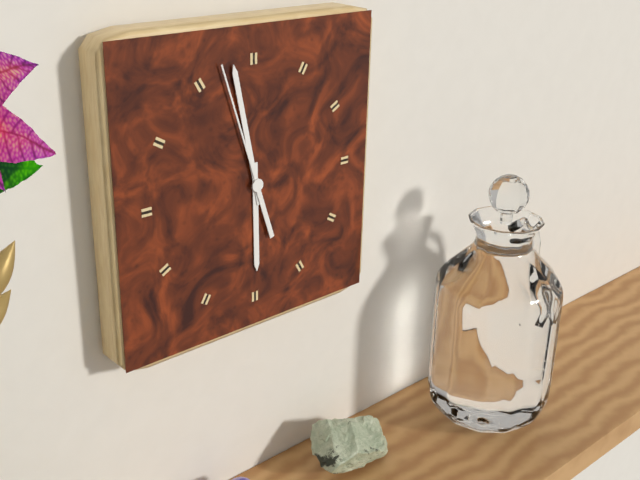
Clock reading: 5.58.57
